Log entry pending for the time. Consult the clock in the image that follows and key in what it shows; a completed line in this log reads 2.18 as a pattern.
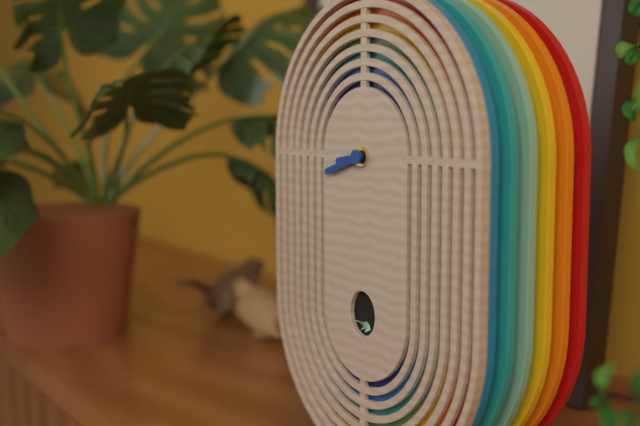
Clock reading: 8.42
